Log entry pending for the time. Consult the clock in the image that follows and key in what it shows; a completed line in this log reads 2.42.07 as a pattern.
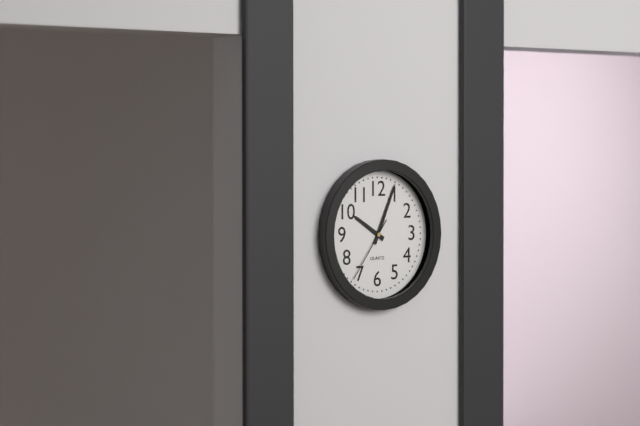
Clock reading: 10.04.36
